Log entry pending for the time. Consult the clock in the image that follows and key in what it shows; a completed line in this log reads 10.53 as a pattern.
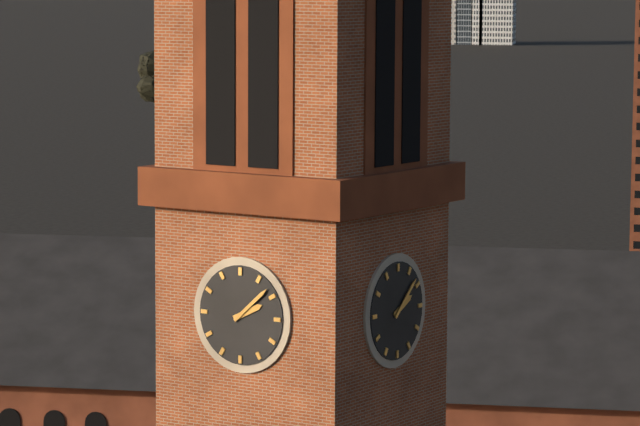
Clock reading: 2.08
